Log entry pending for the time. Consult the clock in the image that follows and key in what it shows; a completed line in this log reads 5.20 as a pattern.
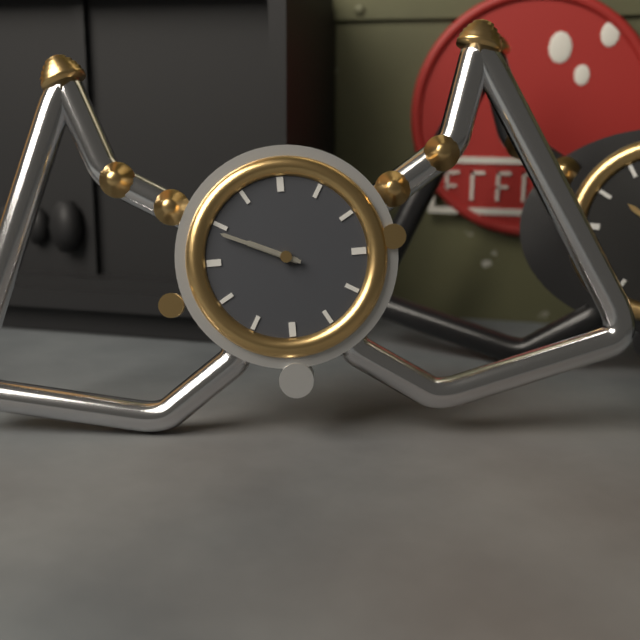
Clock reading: 9.49
